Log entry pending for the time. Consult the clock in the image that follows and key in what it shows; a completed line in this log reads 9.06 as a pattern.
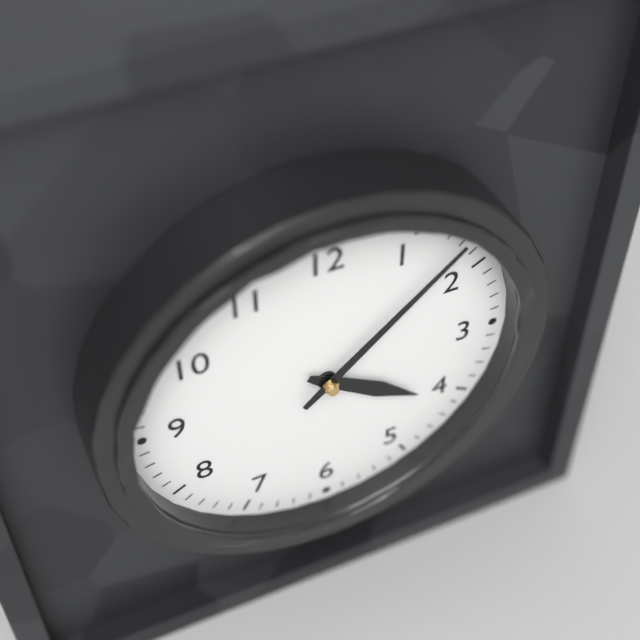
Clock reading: 4.08
